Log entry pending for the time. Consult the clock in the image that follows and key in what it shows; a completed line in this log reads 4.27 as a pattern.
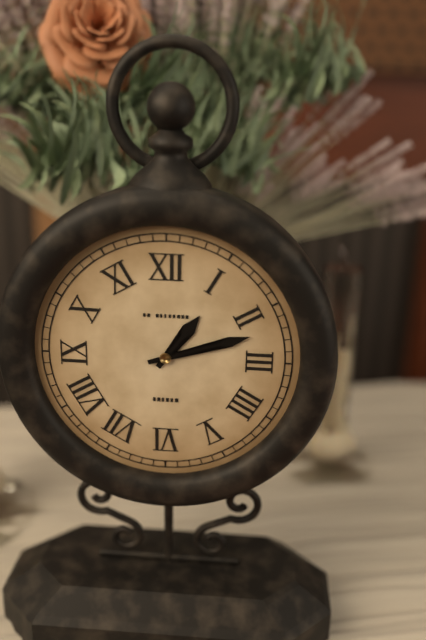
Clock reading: 1.12
